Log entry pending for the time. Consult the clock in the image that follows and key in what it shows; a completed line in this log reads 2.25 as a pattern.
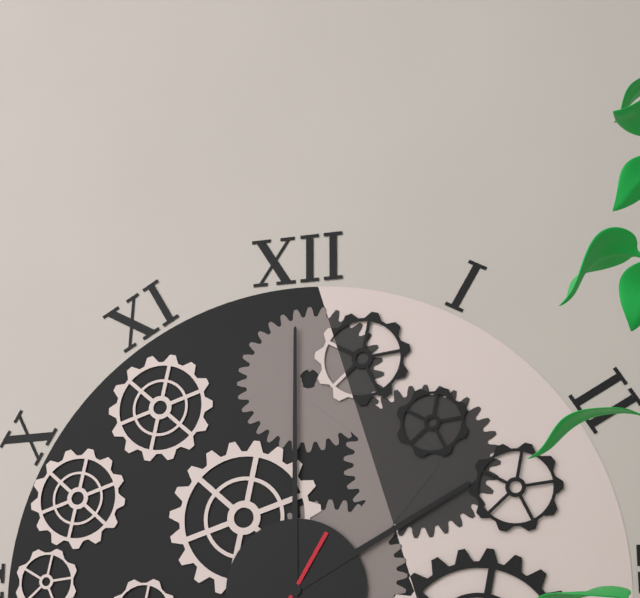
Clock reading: 2.00
